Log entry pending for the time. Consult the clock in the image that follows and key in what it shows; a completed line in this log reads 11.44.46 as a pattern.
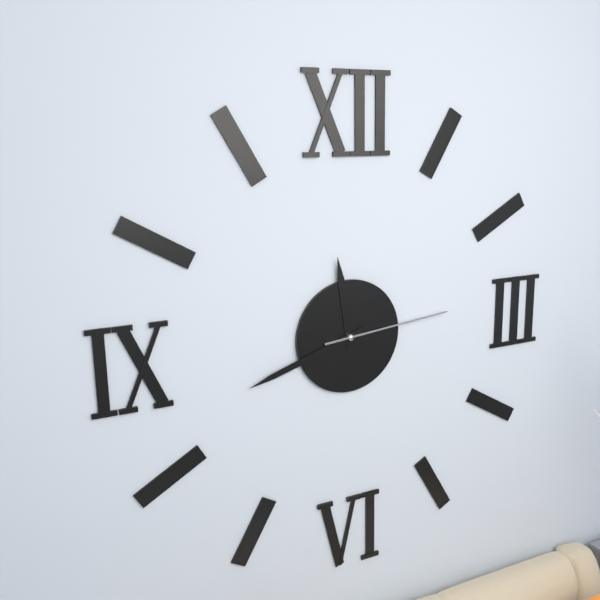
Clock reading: 11.42.14
